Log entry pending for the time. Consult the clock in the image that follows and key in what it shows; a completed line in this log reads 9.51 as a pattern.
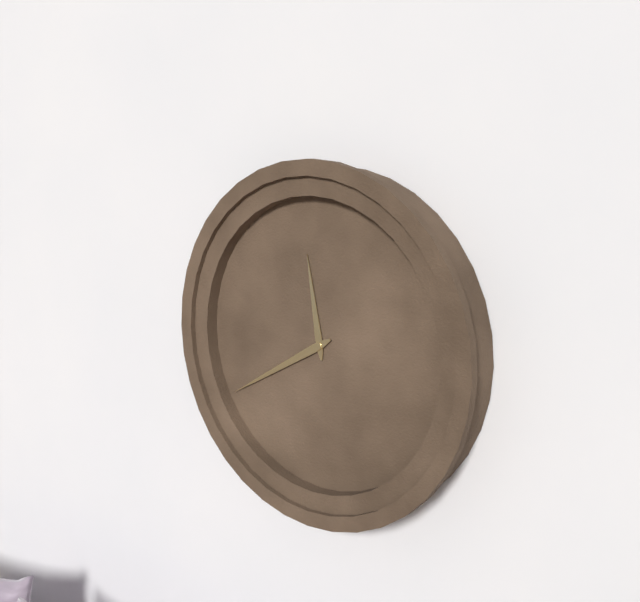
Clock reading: 11.40
